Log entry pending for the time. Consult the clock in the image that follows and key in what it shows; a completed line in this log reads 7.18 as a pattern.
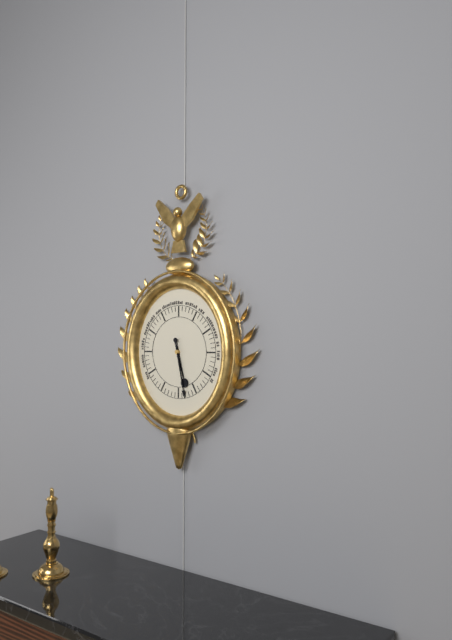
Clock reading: 5.28
